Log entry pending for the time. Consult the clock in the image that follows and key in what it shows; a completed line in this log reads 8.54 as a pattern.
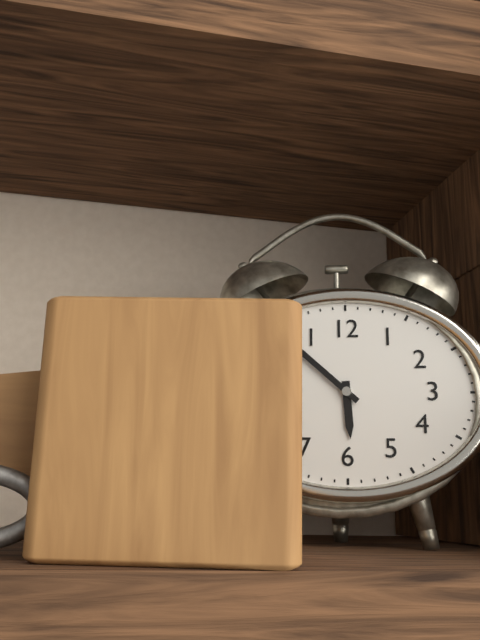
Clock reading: 5.52
